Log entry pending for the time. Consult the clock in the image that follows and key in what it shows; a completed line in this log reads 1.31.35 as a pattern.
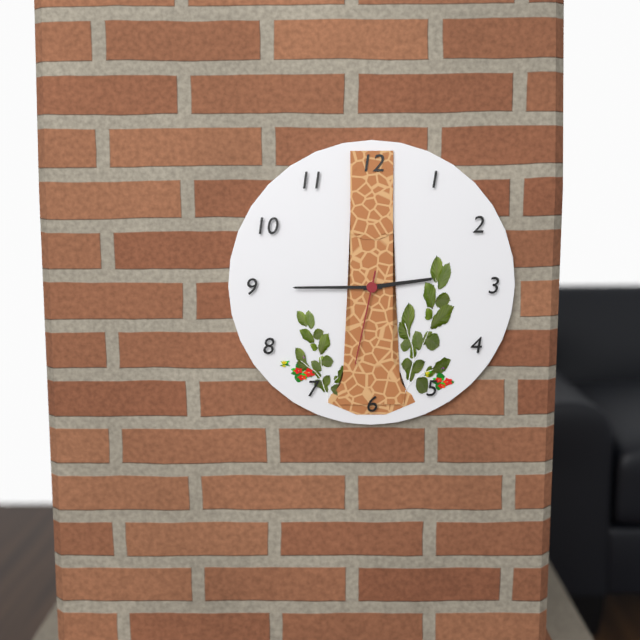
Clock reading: 2.45.32
